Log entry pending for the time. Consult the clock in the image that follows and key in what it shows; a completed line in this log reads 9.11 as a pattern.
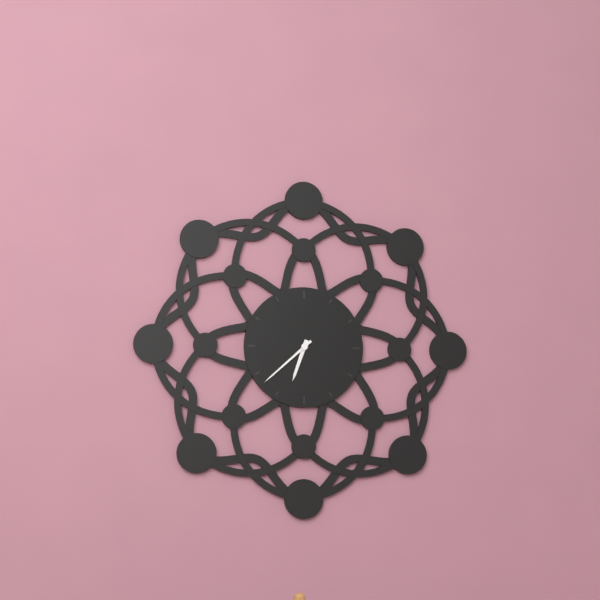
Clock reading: 6.38
